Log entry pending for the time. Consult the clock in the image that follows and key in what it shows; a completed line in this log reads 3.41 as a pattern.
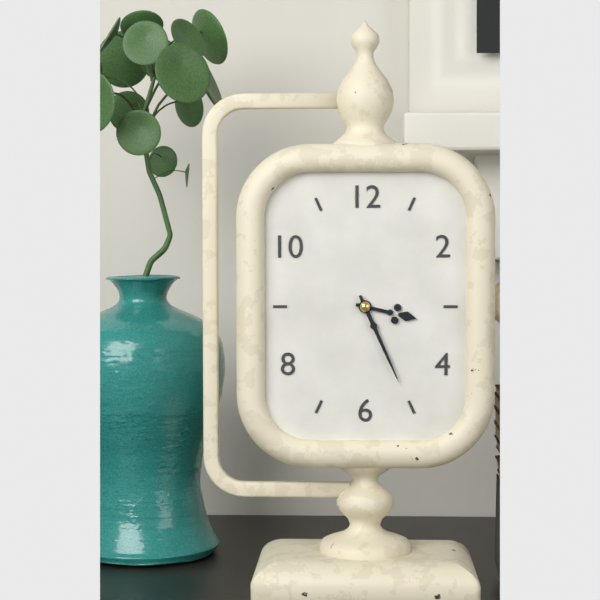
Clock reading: 3.26
